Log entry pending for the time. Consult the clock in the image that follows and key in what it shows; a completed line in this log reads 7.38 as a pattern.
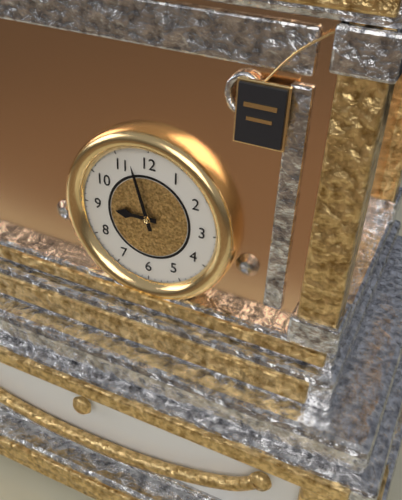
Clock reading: 8.57
